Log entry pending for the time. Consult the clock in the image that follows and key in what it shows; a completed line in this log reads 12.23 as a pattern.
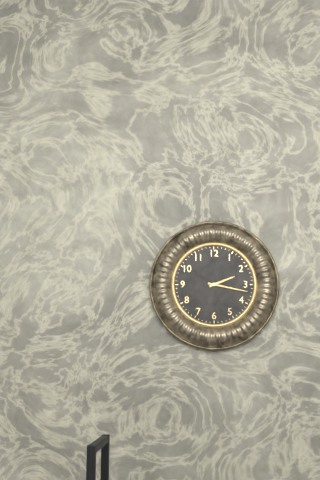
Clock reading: 2.17
